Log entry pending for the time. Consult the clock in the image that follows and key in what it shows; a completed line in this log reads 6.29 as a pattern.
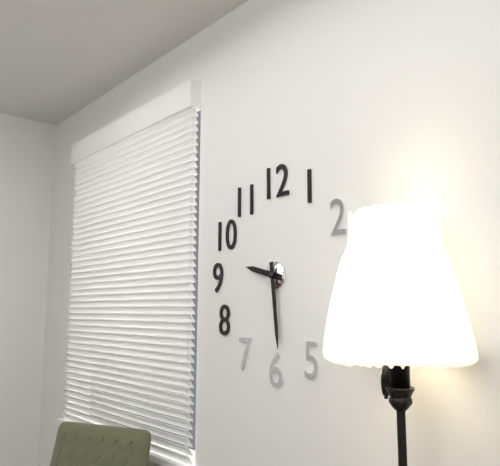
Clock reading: 9.29
